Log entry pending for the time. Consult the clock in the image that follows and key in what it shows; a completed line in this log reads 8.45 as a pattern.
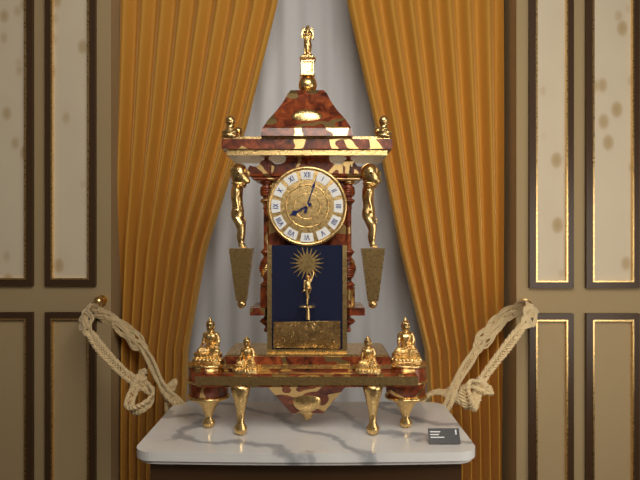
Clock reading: 8.03
